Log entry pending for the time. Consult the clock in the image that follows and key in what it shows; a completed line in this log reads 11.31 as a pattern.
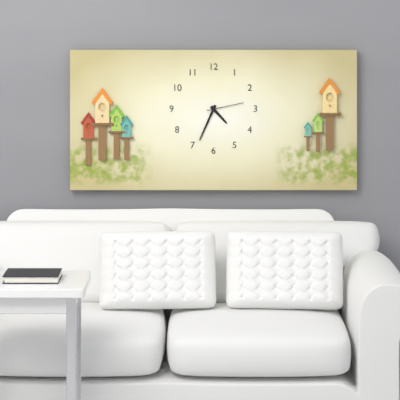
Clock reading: 4.34
